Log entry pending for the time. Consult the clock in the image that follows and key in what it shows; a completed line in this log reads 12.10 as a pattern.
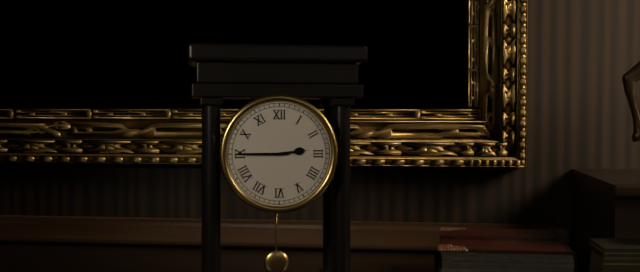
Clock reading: 2.45
